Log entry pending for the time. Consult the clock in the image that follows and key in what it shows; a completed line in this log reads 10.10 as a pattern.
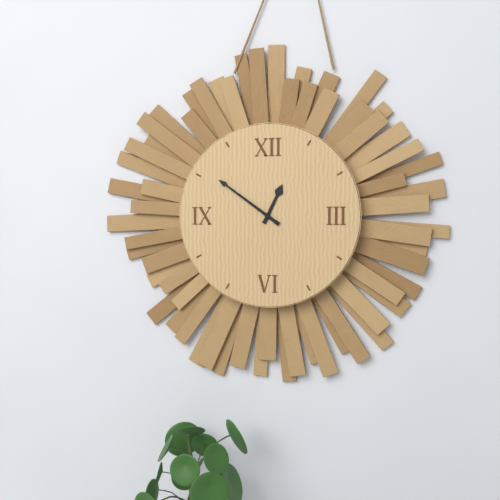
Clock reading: 12.51
